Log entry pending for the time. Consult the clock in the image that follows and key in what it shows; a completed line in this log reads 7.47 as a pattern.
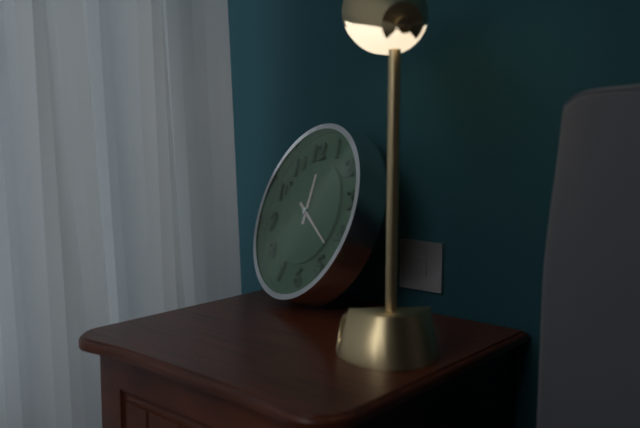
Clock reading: 12.22
